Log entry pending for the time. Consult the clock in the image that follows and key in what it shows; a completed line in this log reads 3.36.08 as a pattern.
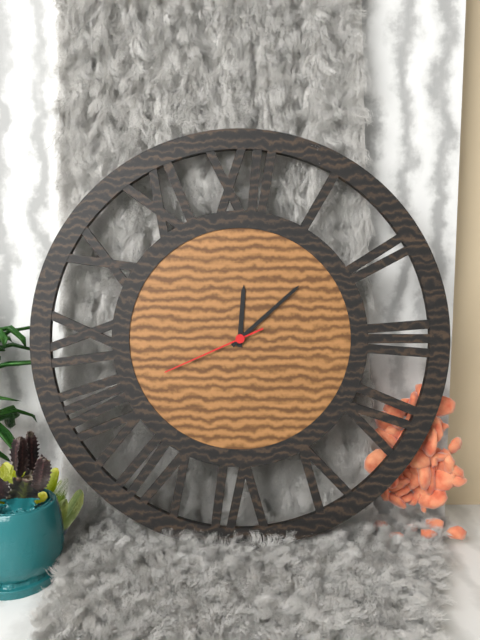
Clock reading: 12.08.41
